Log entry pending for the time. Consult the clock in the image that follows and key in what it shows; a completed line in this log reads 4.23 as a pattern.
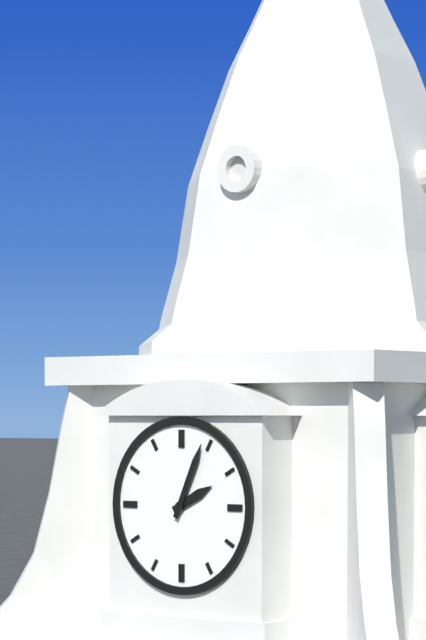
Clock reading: 2.04
